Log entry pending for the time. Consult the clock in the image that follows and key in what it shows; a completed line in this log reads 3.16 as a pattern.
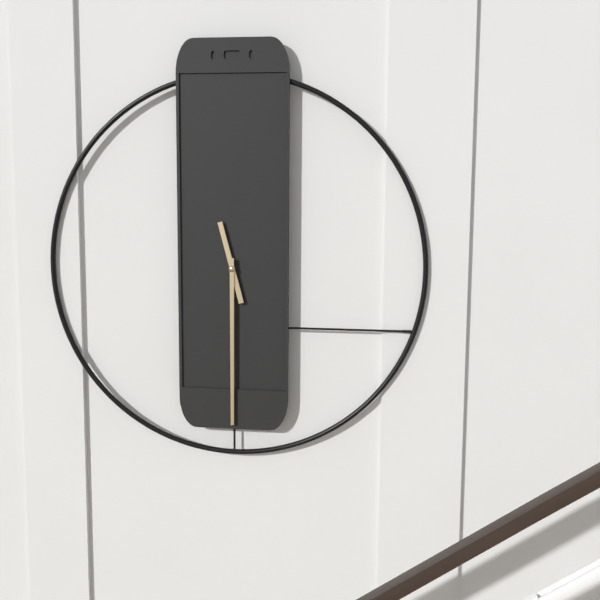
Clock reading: 11.30
